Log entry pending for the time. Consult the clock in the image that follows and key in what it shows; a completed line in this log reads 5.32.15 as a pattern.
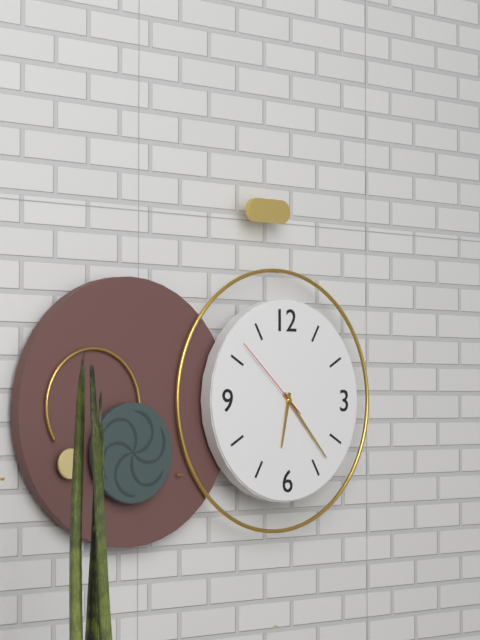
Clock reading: 6.23.52
